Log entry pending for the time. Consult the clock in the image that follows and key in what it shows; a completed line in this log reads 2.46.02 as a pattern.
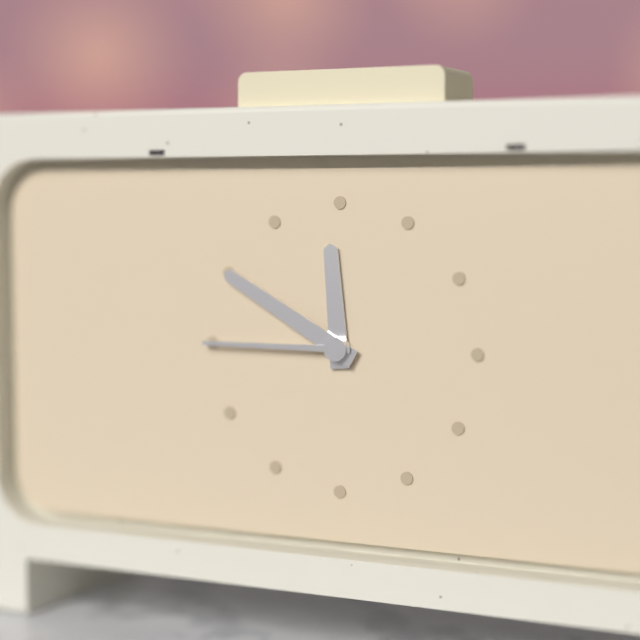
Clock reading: 11.50.45
